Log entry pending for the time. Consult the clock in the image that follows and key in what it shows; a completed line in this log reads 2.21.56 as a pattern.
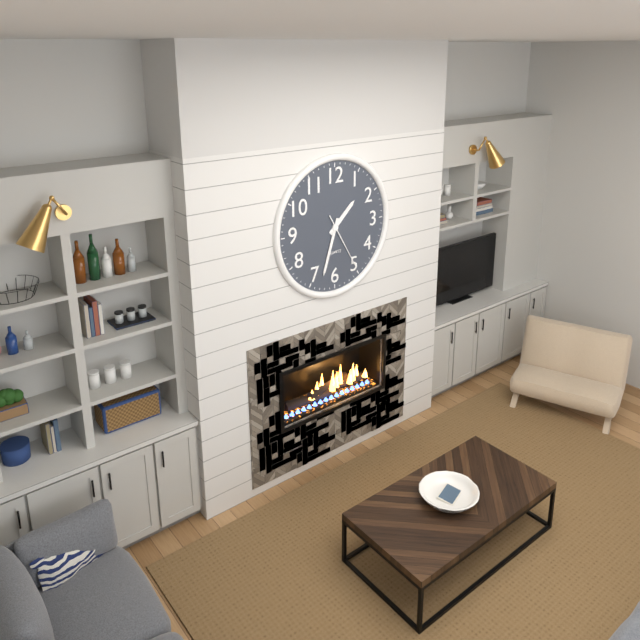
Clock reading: 1.33.25
